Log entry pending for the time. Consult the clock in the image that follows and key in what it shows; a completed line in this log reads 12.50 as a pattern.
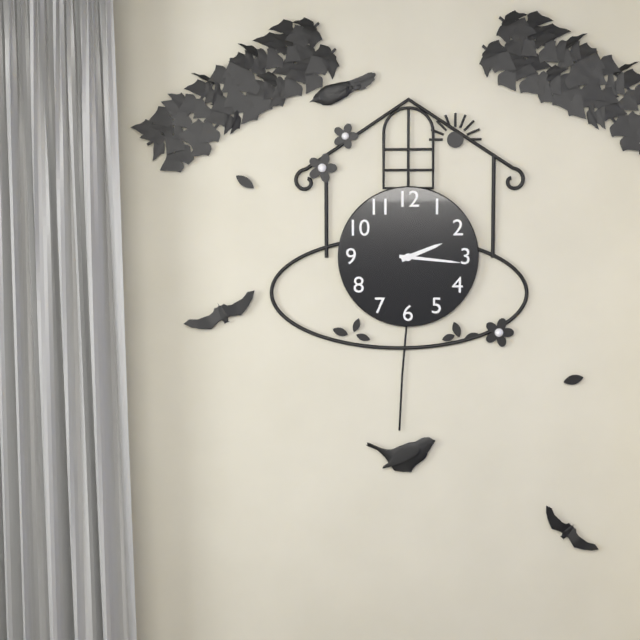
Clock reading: 2.16
